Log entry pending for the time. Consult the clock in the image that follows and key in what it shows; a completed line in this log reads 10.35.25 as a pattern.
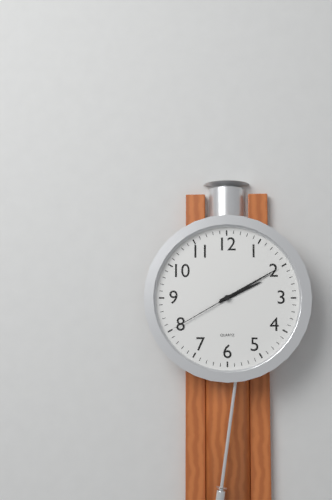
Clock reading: 2.10.40
